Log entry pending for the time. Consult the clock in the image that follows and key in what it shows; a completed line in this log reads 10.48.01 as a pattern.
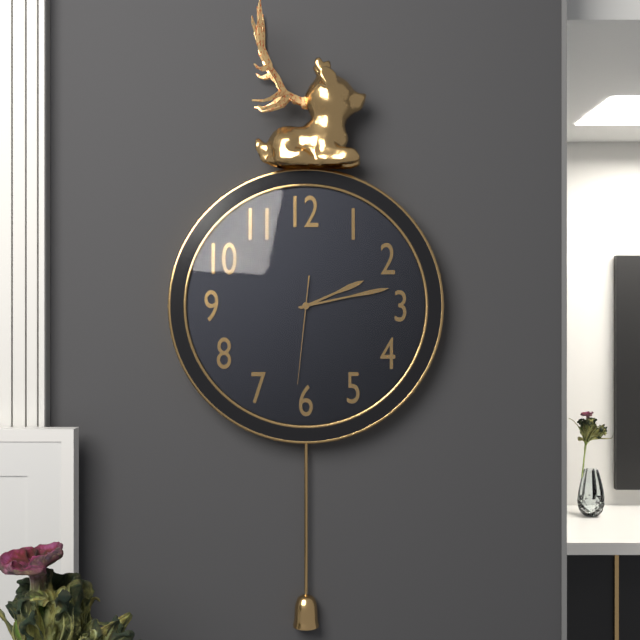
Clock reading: 2.13.31
